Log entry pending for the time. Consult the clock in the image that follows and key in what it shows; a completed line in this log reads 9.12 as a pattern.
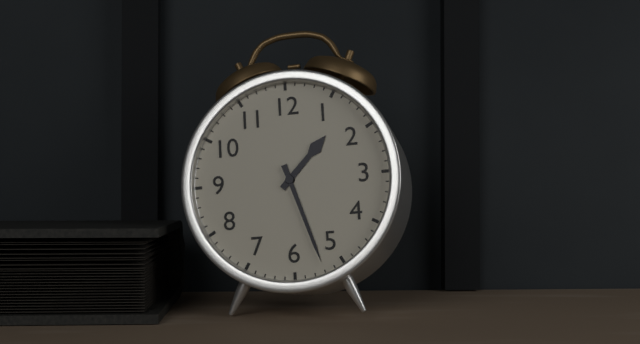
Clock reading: 1.27
